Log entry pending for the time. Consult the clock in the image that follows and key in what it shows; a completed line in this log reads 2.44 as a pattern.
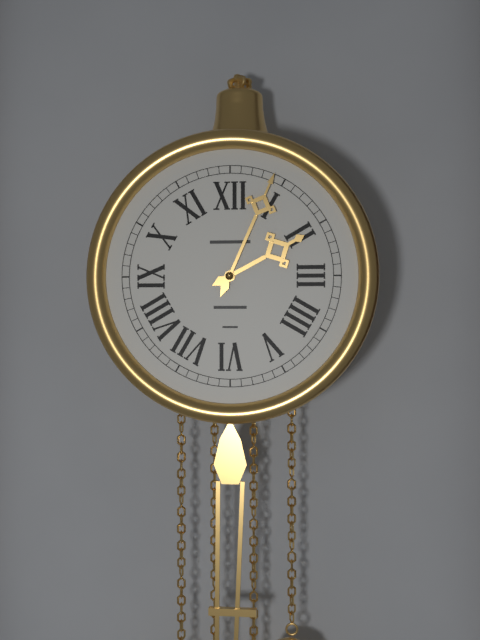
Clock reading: 2.04
